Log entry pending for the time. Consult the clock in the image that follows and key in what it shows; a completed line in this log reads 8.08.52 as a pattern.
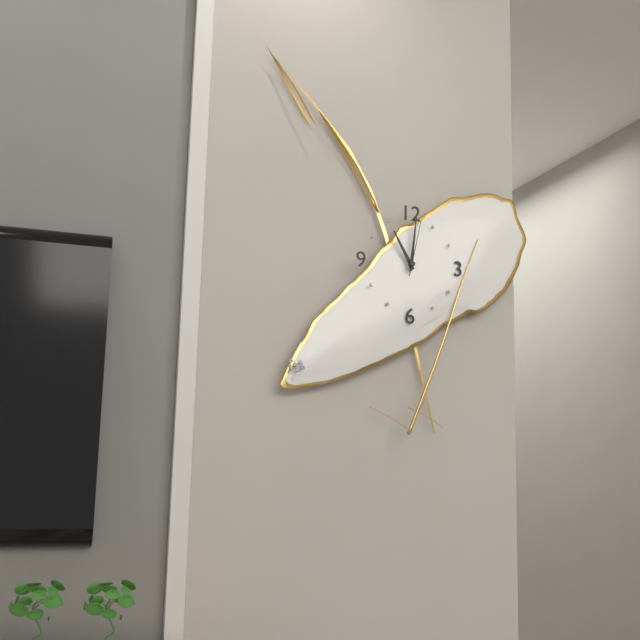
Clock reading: 11.01.02
